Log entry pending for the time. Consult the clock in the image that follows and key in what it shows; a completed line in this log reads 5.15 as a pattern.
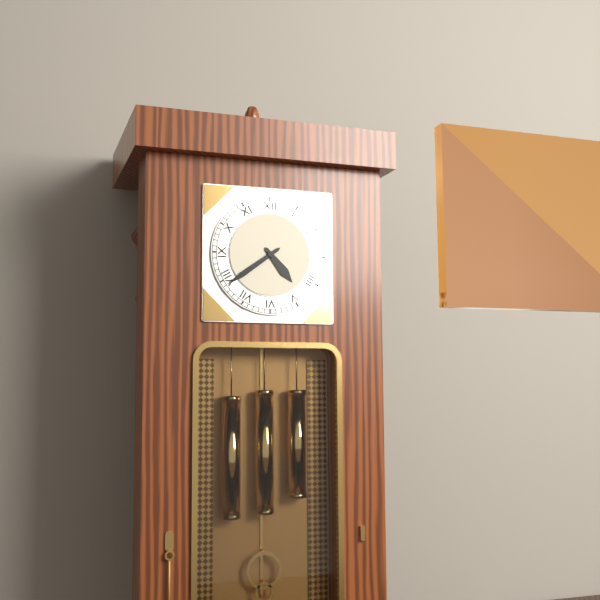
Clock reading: 4.39
